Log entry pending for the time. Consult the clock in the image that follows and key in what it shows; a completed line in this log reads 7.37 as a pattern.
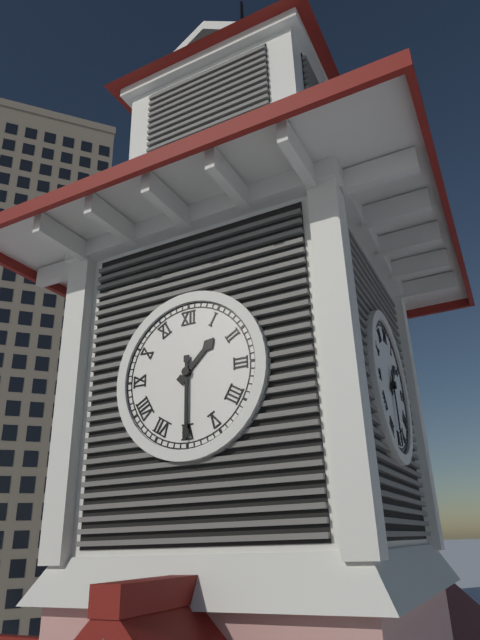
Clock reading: 1.30
